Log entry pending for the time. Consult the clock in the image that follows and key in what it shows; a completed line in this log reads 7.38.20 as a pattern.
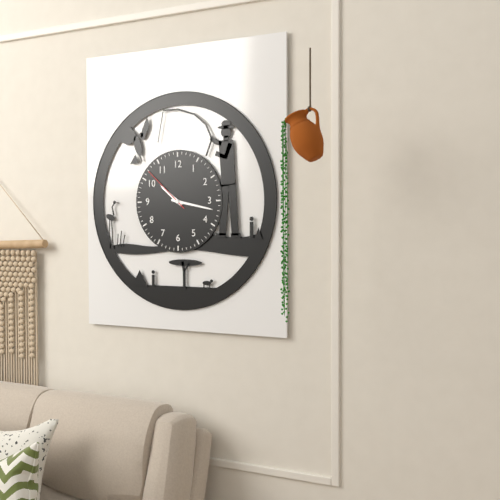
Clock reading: 10.17.52
